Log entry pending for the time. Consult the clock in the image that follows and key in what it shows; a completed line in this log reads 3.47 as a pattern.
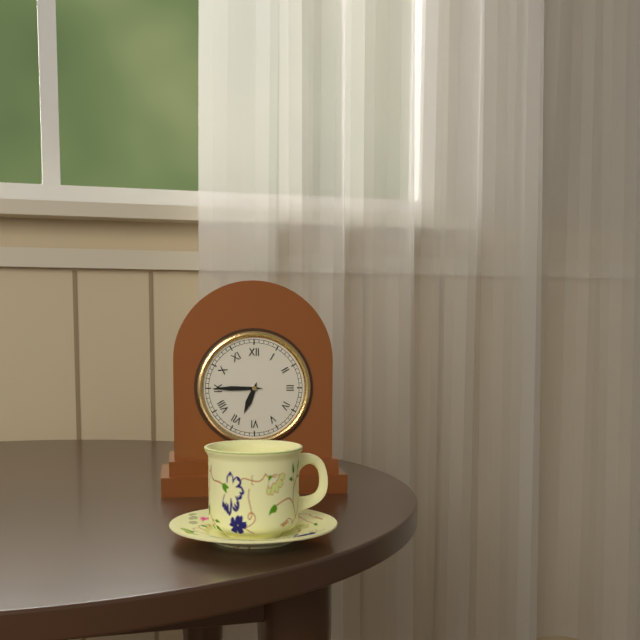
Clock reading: 6.45
